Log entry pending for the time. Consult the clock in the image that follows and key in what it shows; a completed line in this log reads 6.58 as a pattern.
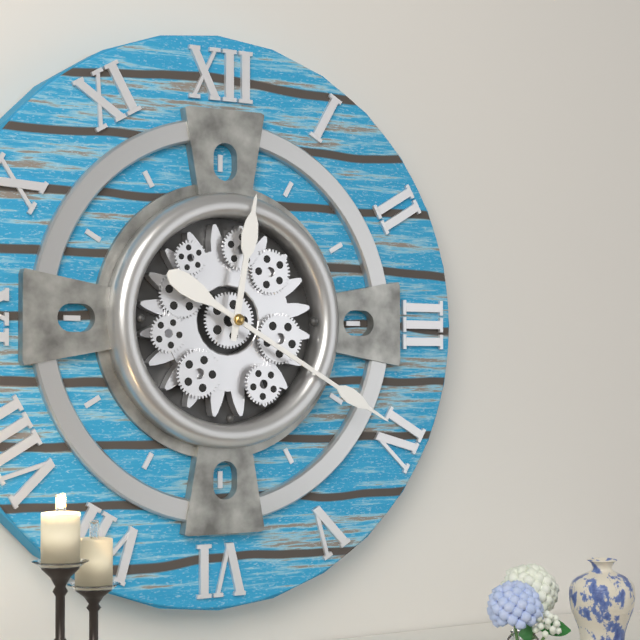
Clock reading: 12.20
